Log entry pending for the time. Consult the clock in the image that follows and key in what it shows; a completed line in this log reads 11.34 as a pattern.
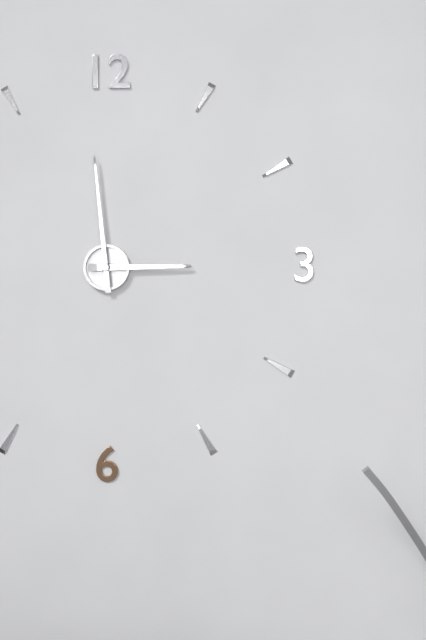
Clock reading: 2.59
